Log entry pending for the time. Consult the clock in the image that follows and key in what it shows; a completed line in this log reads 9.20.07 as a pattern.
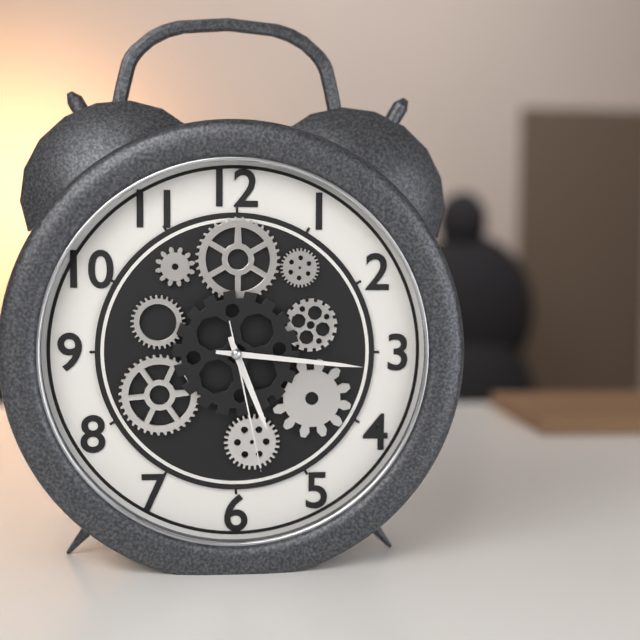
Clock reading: 5.16.28
